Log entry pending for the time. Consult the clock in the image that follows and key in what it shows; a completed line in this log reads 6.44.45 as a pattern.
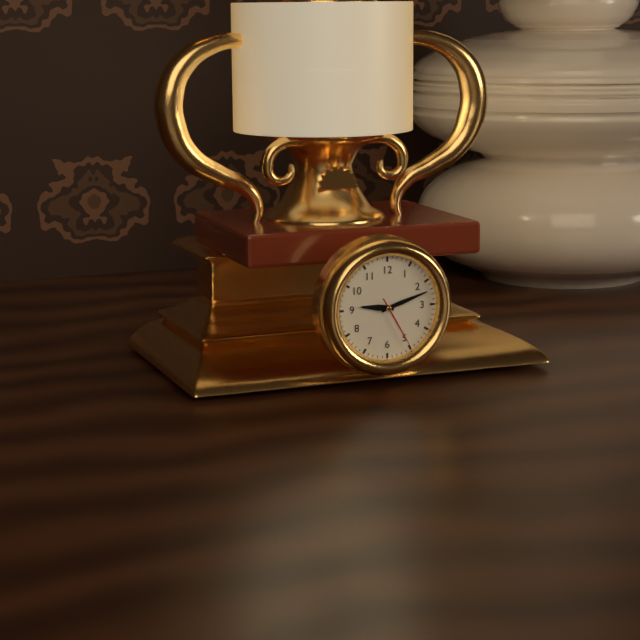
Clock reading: 9.12.25
